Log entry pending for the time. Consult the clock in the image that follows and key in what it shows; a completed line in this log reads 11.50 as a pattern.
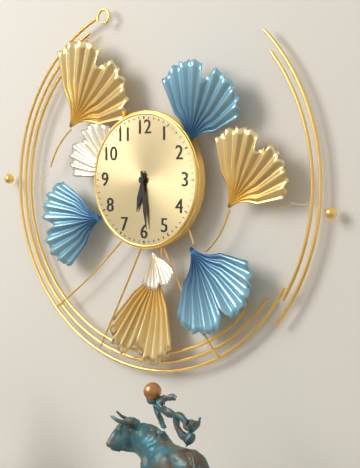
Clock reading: 6.29
